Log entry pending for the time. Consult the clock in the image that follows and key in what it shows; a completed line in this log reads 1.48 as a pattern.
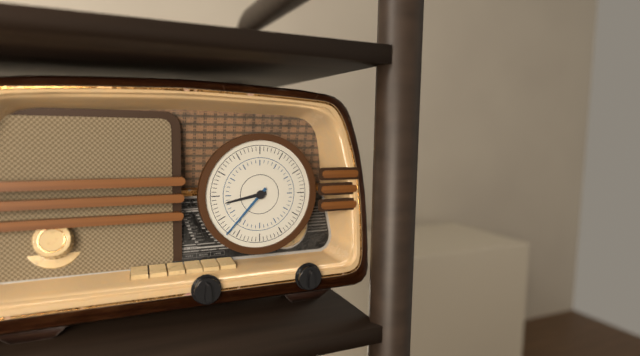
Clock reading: 8.37
